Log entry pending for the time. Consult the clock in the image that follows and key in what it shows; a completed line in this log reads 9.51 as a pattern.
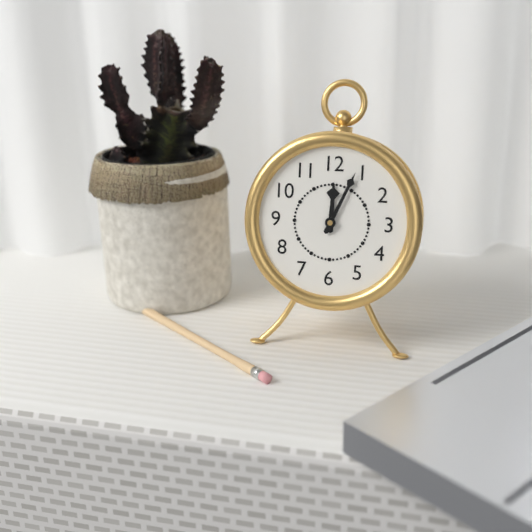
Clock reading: 12.04
